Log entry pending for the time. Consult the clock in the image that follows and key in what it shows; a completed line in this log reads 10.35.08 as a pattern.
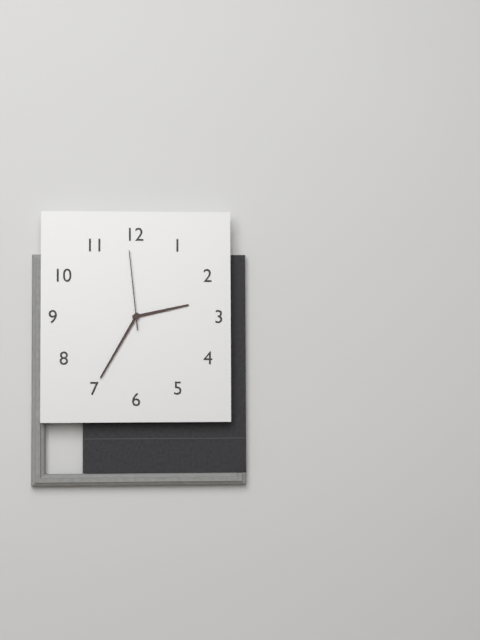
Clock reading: 2.35.59
